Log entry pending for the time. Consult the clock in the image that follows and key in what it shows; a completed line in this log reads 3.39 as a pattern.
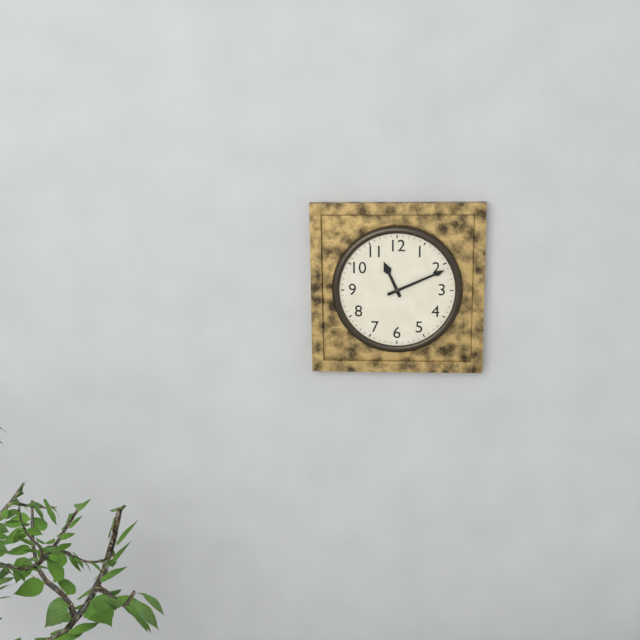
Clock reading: 11.11
